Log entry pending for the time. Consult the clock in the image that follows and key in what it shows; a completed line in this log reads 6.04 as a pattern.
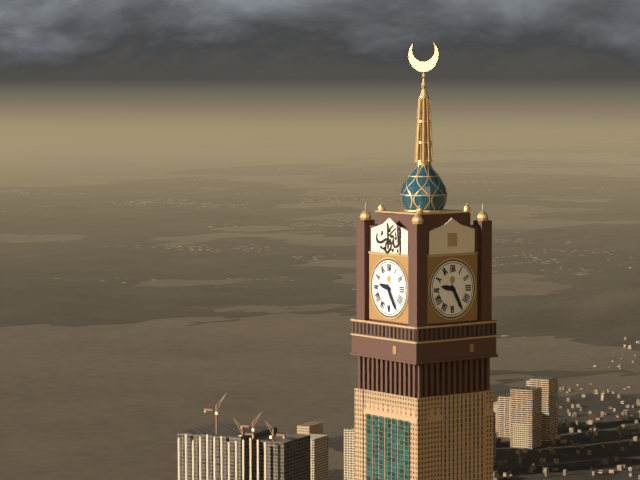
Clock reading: 9.25
